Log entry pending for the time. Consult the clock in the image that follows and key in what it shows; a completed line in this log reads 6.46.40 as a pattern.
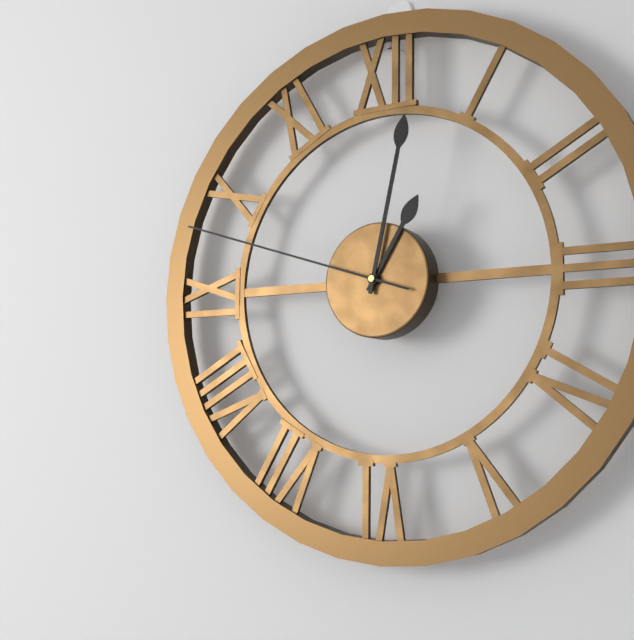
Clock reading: 1.02.48
